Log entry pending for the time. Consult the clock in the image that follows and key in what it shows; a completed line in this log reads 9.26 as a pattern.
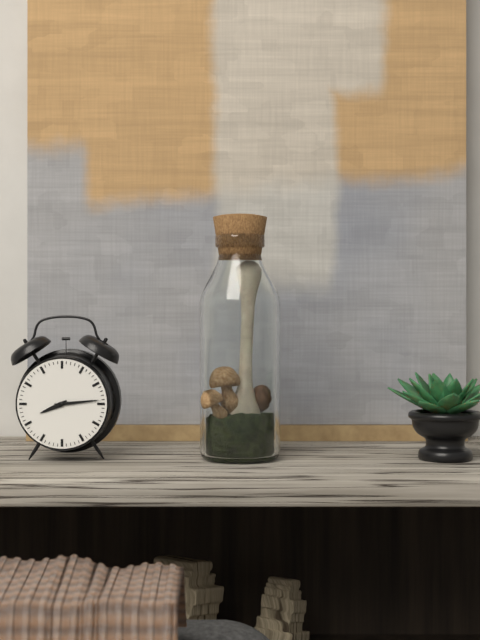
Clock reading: 8.14
